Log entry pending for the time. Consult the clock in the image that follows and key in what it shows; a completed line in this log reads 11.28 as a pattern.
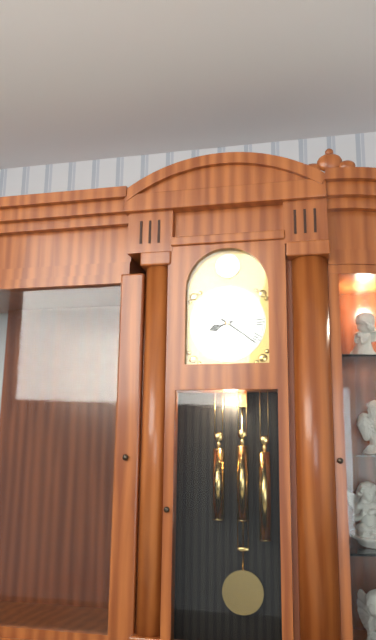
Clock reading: 8.21
